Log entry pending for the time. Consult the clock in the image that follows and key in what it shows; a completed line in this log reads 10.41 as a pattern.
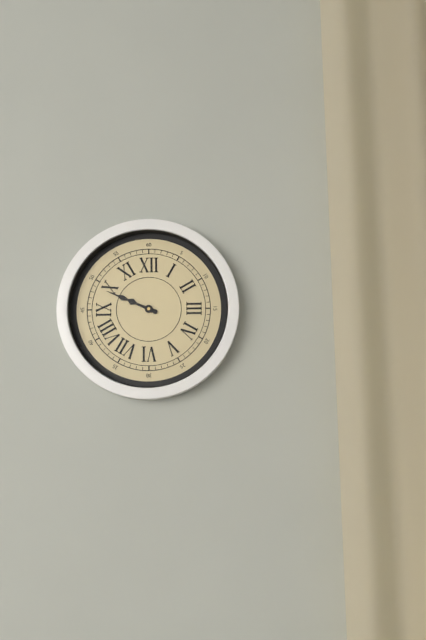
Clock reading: 9.49
